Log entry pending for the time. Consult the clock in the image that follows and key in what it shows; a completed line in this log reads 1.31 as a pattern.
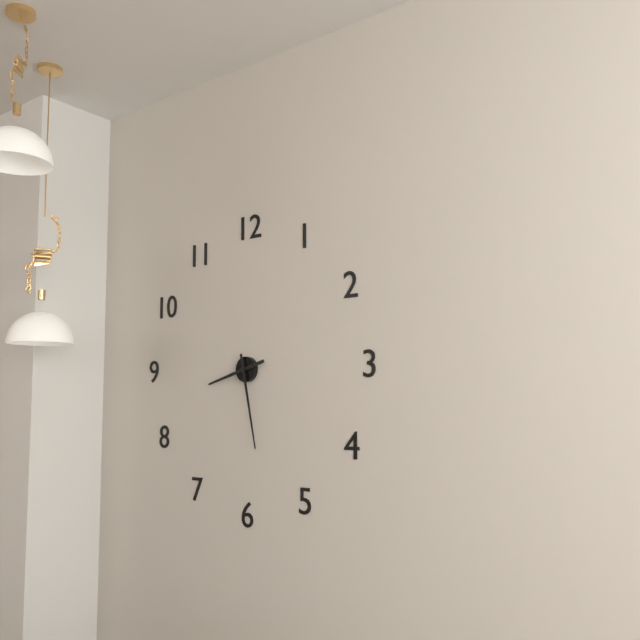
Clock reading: 8.28
